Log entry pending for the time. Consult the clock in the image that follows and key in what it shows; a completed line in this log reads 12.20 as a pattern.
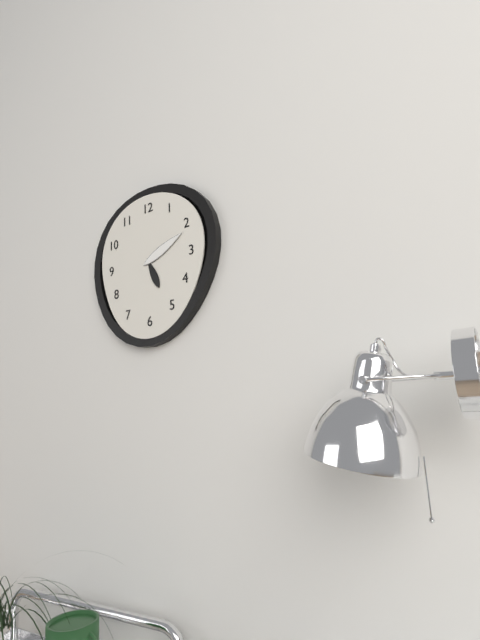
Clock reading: 5.11
